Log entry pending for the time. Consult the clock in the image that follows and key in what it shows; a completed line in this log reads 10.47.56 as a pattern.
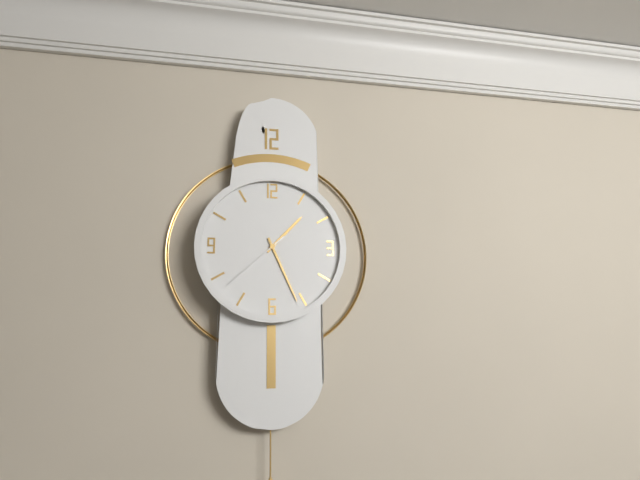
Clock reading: 1.26.38
